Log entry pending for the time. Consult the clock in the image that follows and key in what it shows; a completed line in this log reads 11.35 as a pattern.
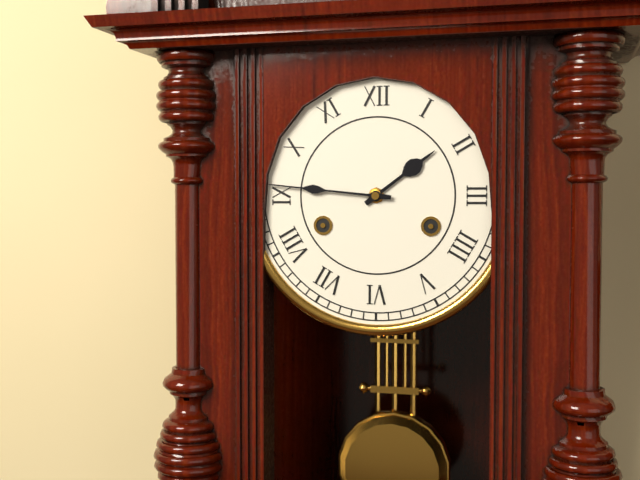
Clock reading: 1.46
